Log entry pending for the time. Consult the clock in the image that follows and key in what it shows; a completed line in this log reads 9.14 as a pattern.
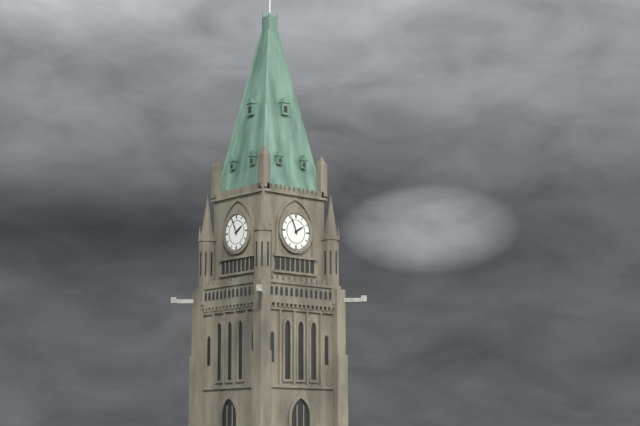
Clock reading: 1.56
